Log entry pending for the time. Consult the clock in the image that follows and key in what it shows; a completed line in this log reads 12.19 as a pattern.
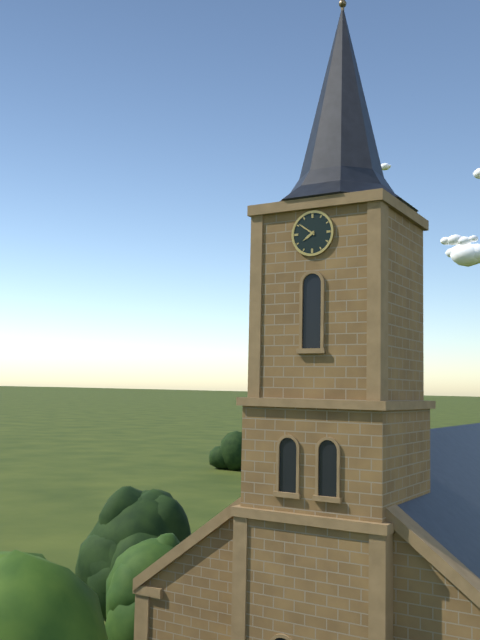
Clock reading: 7.51
